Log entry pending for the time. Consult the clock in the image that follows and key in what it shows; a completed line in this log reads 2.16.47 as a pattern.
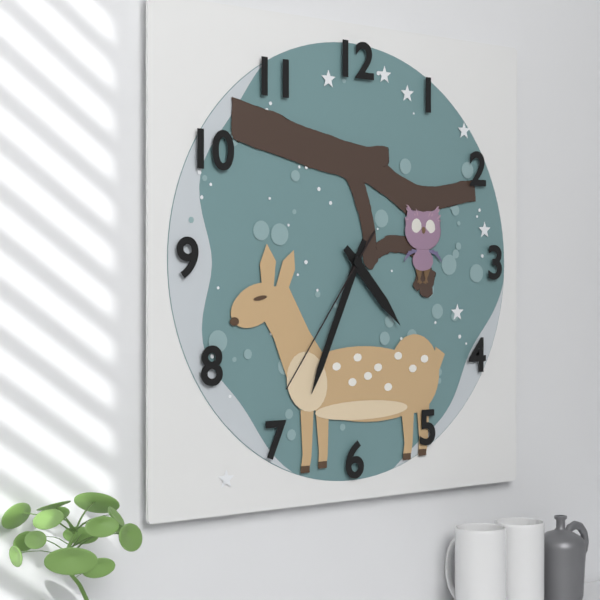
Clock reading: 4.34.36
